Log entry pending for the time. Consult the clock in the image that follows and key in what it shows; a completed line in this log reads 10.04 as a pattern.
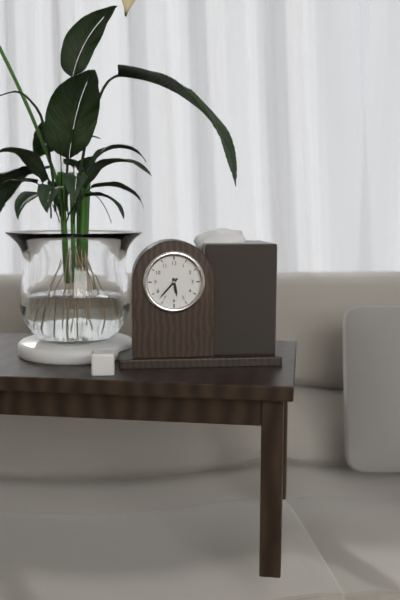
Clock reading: 5.37
